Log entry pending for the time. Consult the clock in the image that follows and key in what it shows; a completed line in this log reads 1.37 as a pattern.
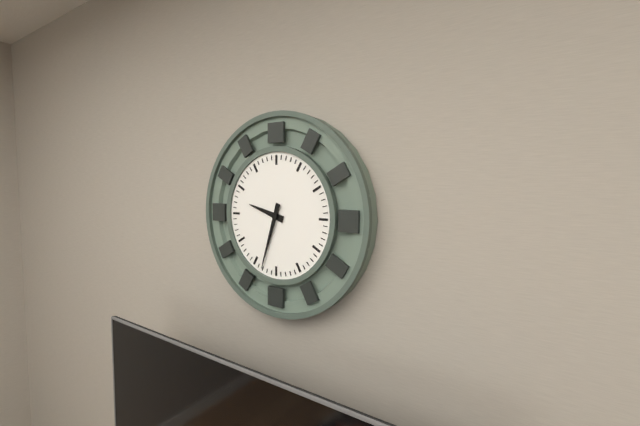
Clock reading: 9.33
